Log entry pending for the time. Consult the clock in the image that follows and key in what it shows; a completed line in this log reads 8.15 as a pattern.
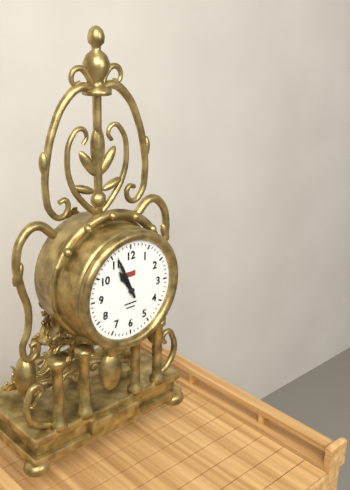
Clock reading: 10.56
